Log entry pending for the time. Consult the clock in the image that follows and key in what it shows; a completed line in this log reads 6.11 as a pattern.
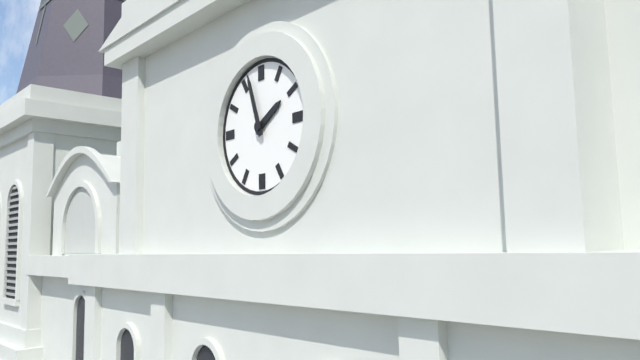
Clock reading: 1.57
